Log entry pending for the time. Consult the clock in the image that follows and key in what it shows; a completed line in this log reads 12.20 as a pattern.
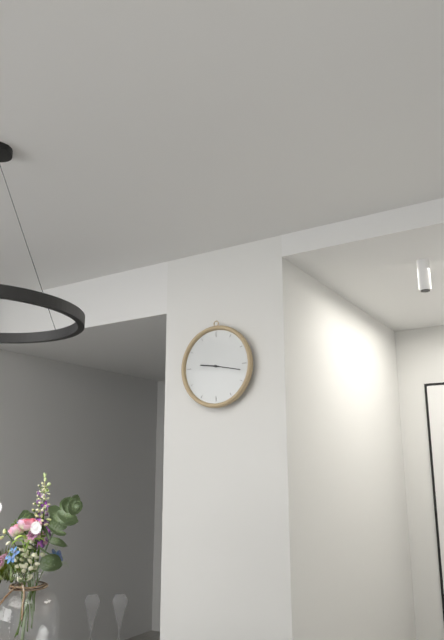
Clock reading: 9.17
